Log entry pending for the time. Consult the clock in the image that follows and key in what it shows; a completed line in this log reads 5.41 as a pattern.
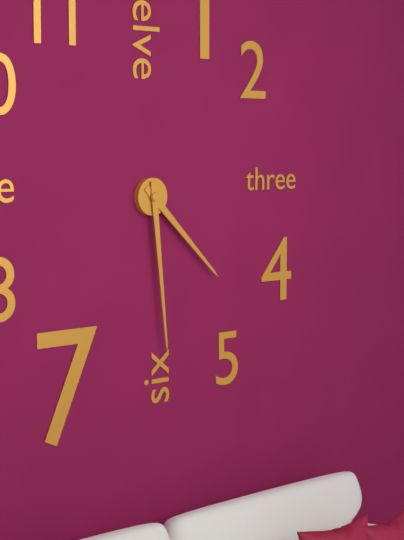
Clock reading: 4.29
